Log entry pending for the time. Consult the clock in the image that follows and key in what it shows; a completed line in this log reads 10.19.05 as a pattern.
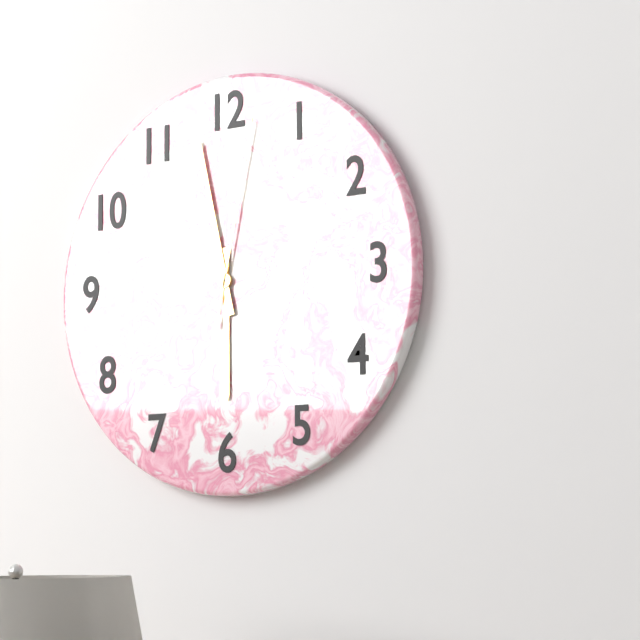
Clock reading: 5.58.02
